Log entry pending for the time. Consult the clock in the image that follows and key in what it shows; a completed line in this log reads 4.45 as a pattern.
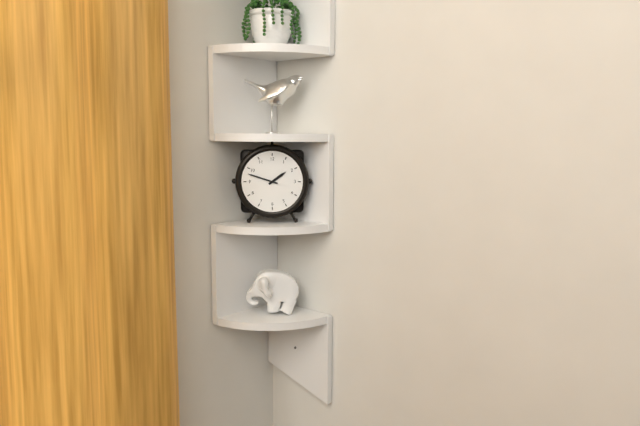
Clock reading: 1.48
